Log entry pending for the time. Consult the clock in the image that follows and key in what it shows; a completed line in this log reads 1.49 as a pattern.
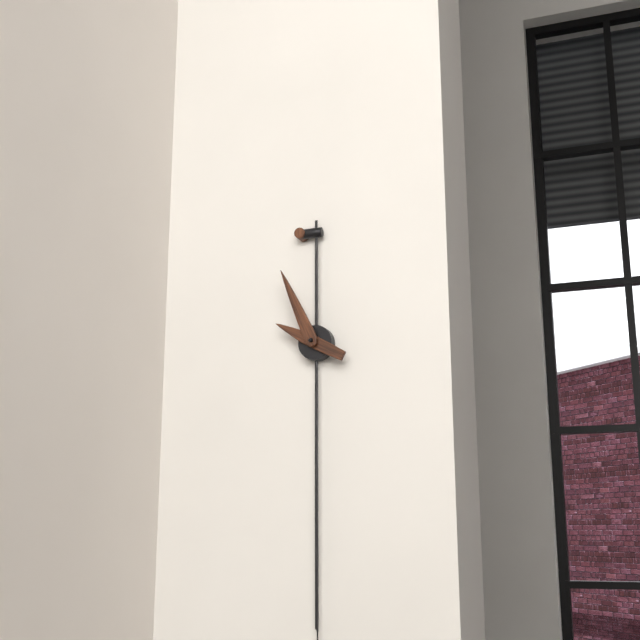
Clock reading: 9.56
